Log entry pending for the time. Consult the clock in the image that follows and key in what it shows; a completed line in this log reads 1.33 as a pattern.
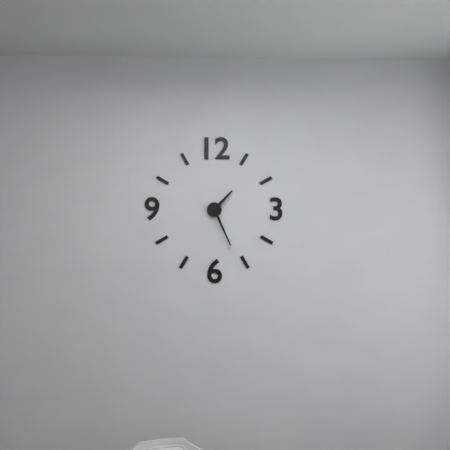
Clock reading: 1.26
